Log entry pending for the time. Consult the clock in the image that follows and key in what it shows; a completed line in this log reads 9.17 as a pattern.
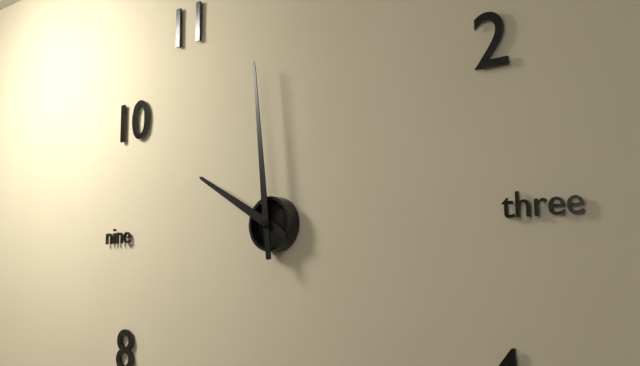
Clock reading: 9.59
